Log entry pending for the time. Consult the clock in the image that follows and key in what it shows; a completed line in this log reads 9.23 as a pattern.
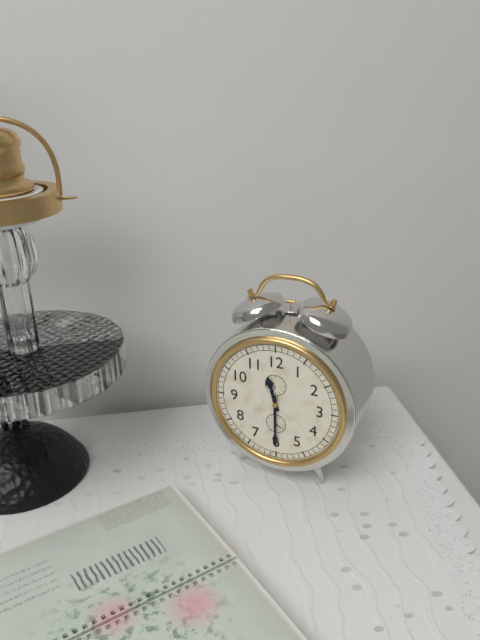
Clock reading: 11.30
